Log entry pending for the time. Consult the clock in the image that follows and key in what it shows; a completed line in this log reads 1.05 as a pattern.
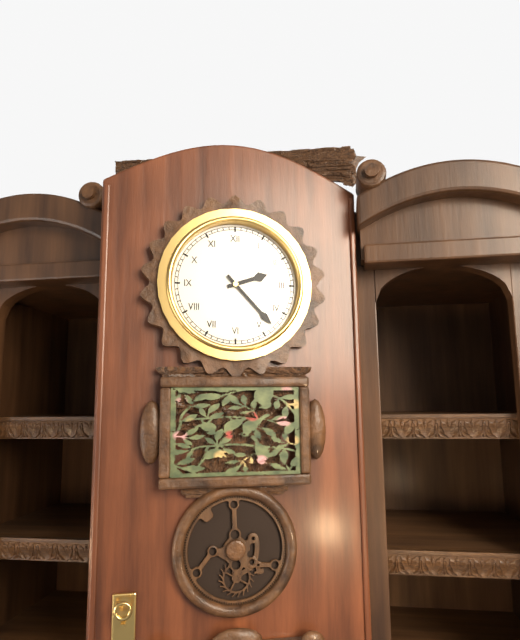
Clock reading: 2.23
